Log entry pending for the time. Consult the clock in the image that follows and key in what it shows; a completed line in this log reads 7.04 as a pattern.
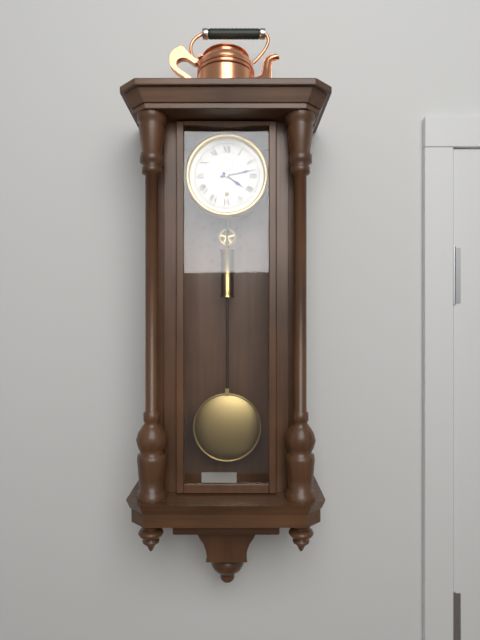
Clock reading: 4.13
